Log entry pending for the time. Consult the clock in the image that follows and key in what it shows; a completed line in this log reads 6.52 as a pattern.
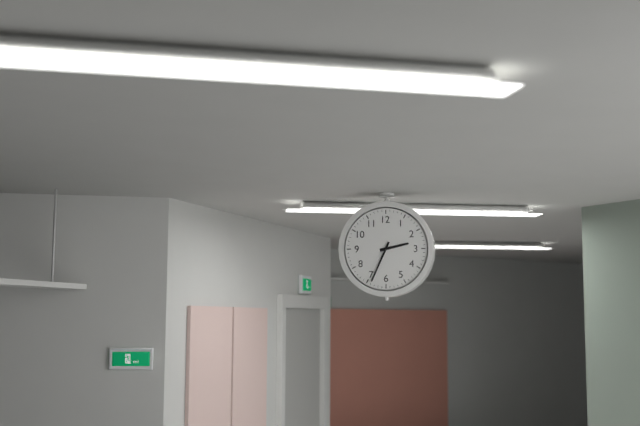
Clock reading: 2.34
